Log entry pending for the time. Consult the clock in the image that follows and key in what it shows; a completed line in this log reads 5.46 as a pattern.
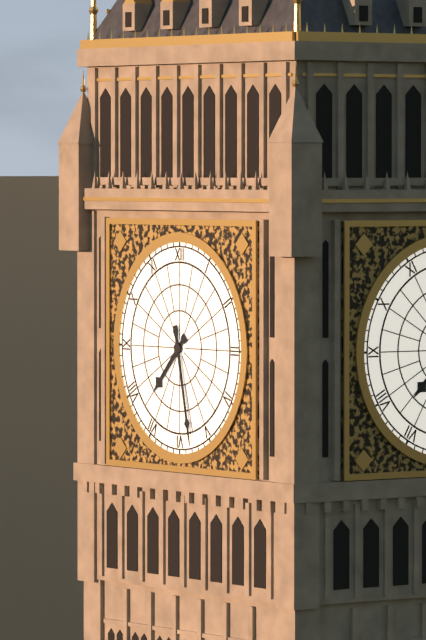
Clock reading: 7.28
